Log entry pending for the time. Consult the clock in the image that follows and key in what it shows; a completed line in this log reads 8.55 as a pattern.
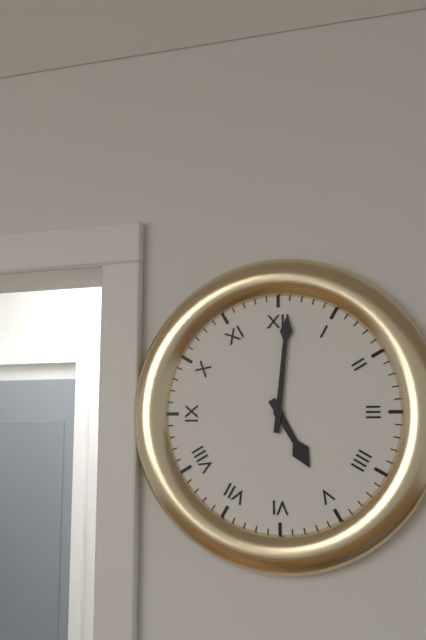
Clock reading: 5.01
